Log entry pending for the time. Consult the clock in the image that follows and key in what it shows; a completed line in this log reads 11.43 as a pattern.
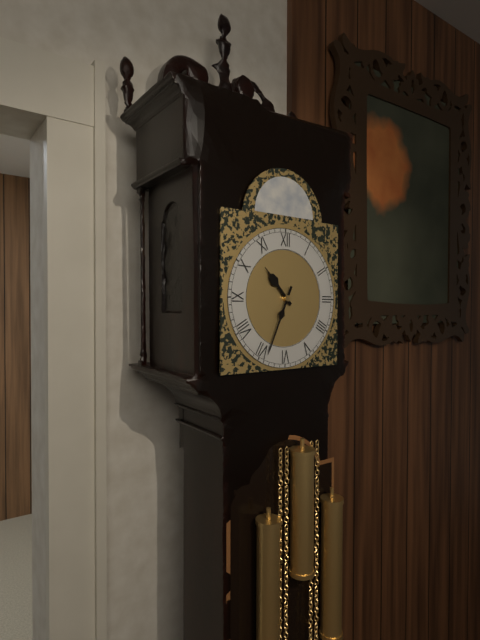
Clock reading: 10.34
